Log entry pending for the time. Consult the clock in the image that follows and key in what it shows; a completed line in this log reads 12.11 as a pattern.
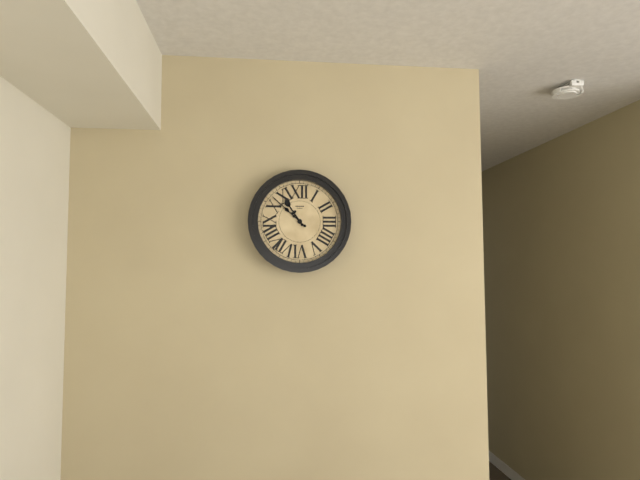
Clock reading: 10.52
